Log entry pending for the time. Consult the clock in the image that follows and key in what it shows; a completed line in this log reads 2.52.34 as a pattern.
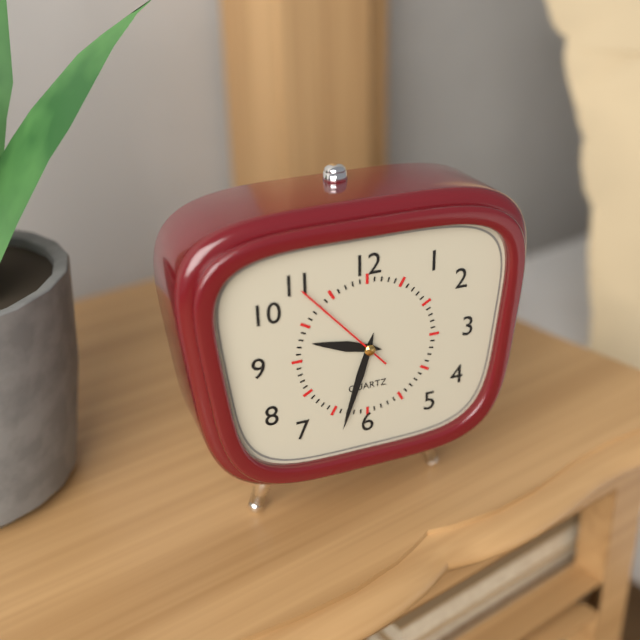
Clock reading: 9.33.53
